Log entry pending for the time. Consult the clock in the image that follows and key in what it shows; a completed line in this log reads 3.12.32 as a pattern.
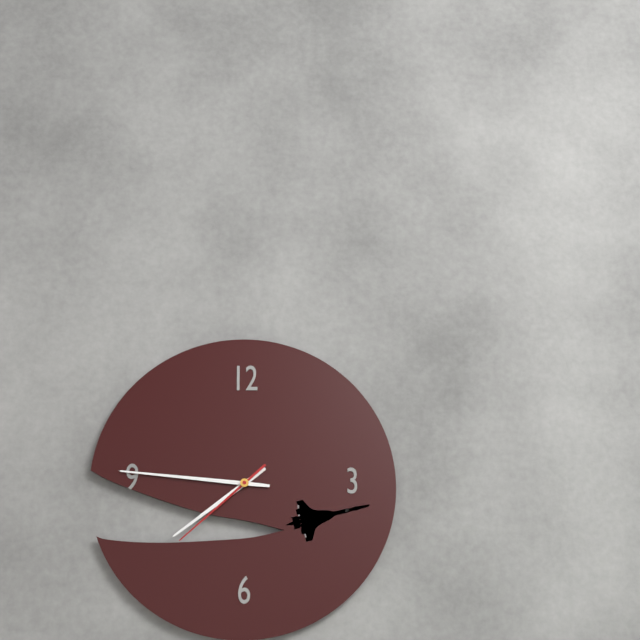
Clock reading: 7.46.38
